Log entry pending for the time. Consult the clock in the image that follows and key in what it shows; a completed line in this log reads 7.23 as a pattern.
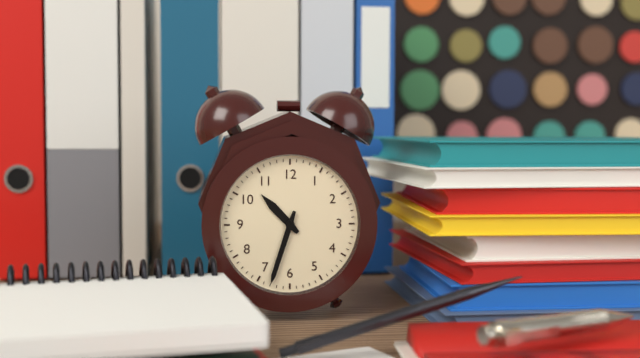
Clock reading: 10.33
